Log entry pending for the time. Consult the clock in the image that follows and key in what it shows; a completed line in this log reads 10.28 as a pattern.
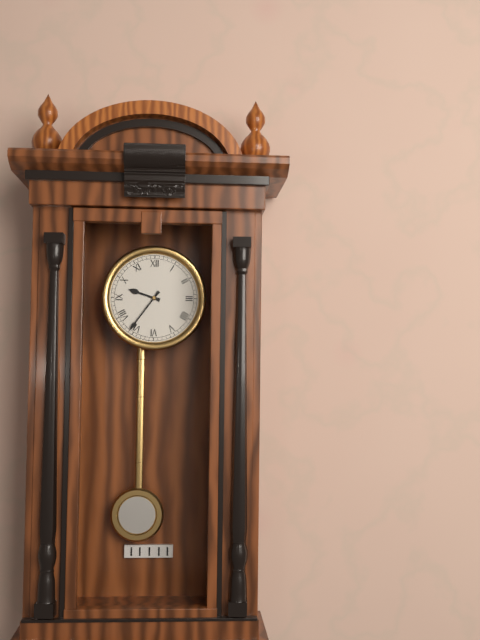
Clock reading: 9.36
